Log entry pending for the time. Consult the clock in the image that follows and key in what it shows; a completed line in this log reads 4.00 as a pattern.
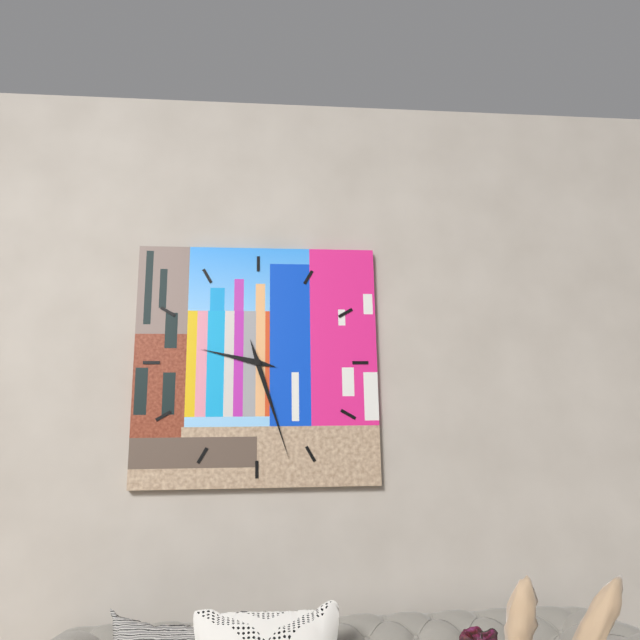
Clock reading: 9.27
